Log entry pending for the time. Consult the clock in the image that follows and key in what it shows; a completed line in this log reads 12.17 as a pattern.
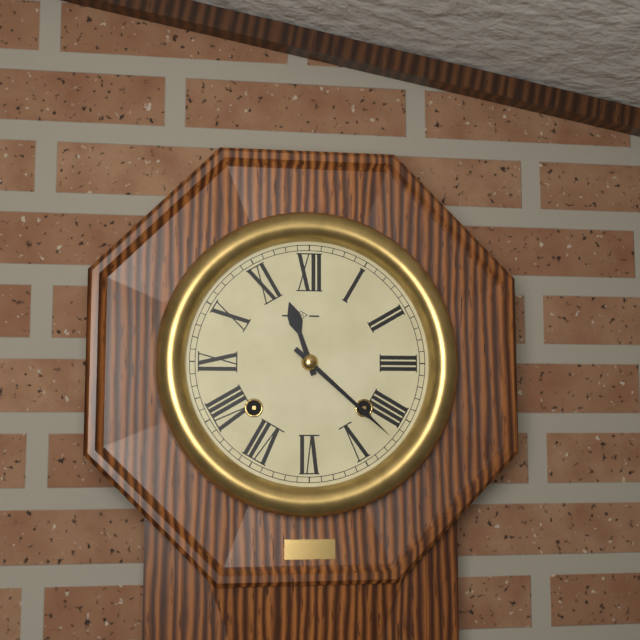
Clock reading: 11.22
